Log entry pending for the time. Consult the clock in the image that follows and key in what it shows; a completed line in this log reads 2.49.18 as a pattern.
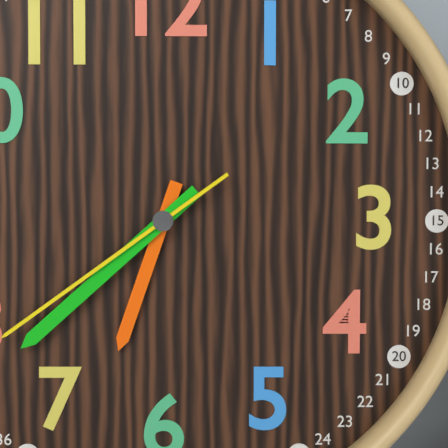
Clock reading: 6.38.39
